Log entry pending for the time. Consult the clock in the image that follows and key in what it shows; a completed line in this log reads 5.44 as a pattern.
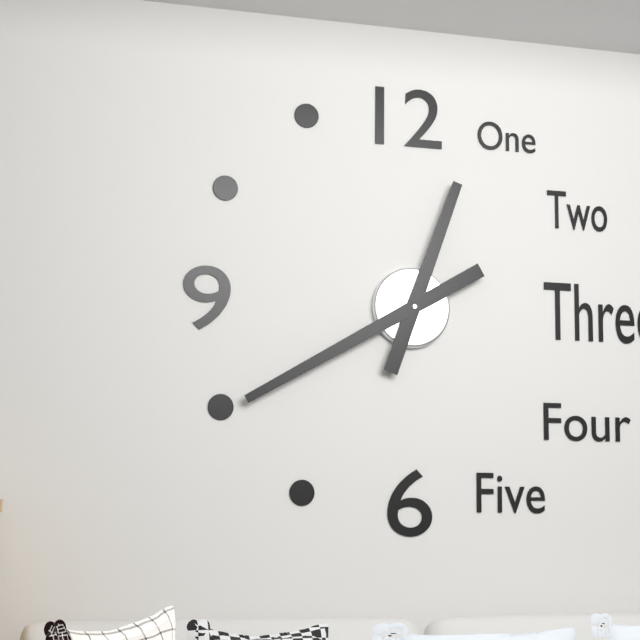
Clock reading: 12.40
